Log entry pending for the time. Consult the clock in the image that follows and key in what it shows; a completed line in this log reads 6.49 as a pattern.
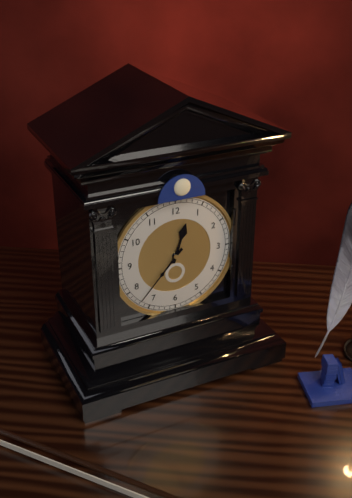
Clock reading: 12.37
